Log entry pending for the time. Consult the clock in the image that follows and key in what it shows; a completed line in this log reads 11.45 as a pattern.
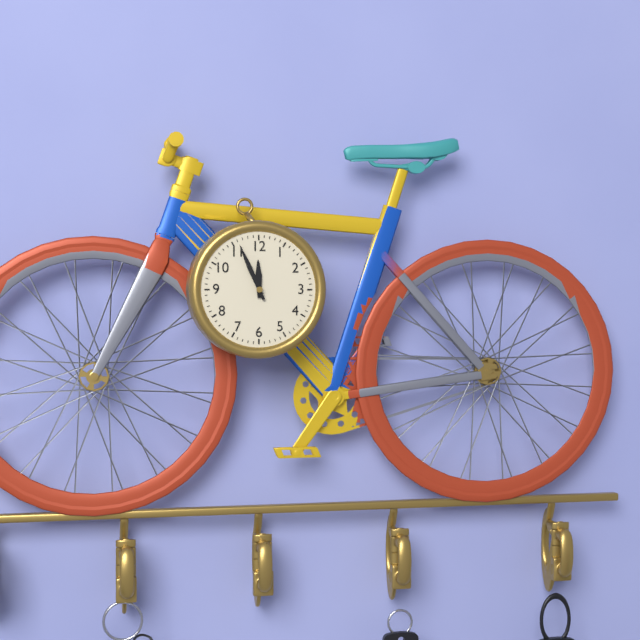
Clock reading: 11.56
